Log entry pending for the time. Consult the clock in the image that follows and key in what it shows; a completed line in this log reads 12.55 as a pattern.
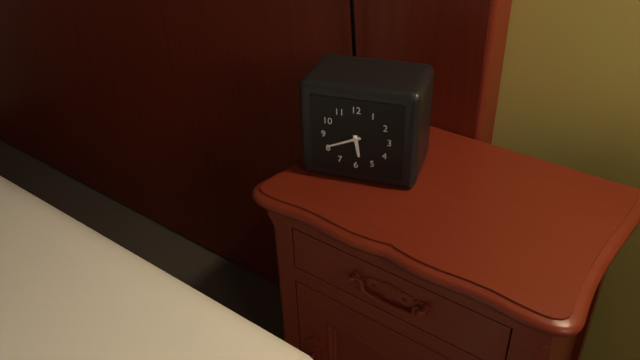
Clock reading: 5.41
